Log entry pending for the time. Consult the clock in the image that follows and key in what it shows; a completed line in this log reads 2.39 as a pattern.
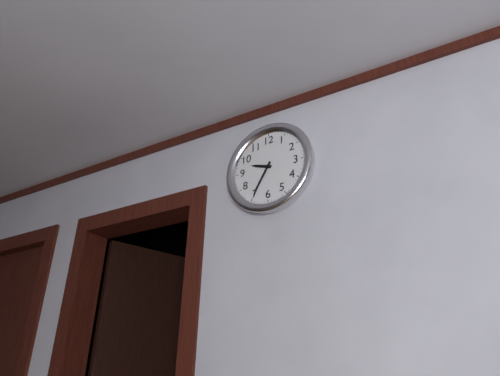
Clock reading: 9.35
